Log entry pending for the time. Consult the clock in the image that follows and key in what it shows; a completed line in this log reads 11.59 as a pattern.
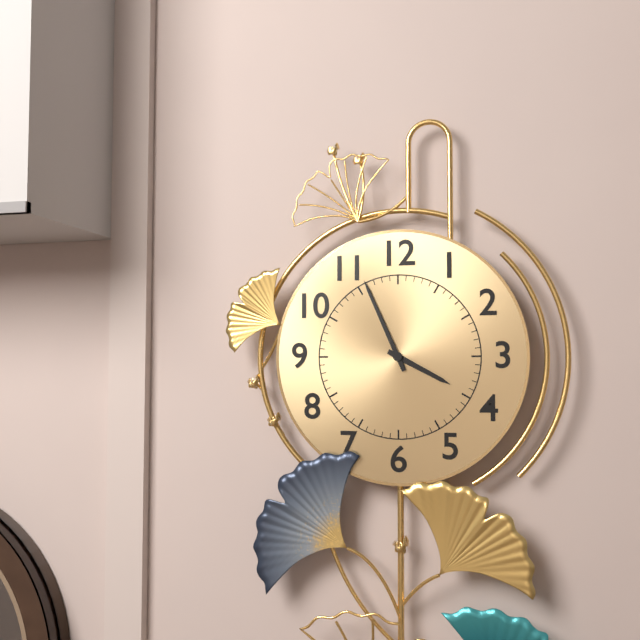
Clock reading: 3.56
